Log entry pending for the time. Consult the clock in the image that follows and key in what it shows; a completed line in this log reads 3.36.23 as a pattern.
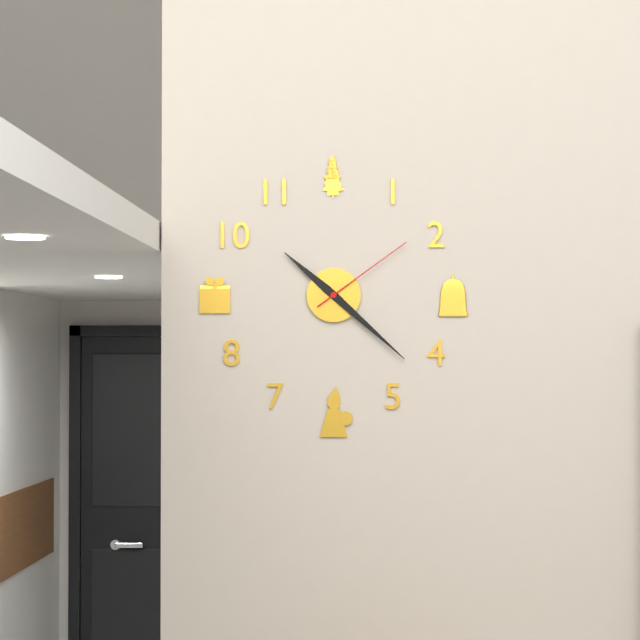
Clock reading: 10.22.09
